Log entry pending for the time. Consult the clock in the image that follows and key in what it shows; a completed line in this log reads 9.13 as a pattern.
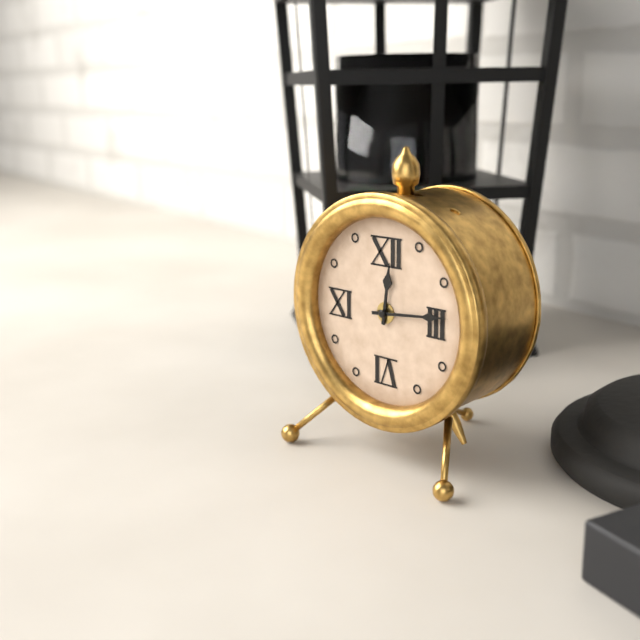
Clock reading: 12.14
